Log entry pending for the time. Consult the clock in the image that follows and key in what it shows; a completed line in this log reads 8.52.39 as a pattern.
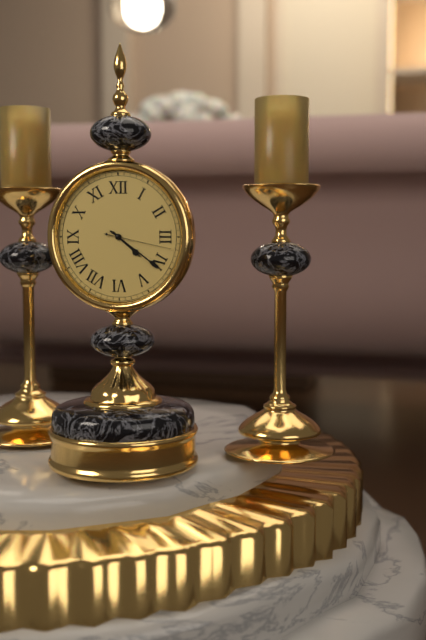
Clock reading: 4.21.17
